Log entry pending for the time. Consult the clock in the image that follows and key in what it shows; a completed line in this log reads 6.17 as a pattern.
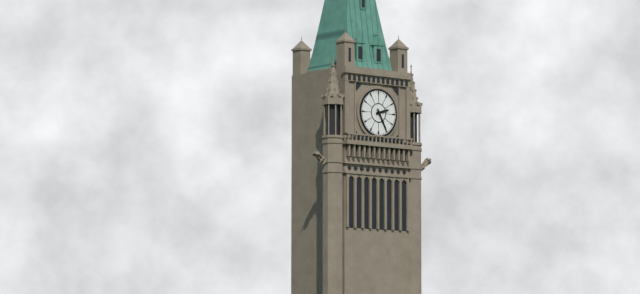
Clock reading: 2.25
